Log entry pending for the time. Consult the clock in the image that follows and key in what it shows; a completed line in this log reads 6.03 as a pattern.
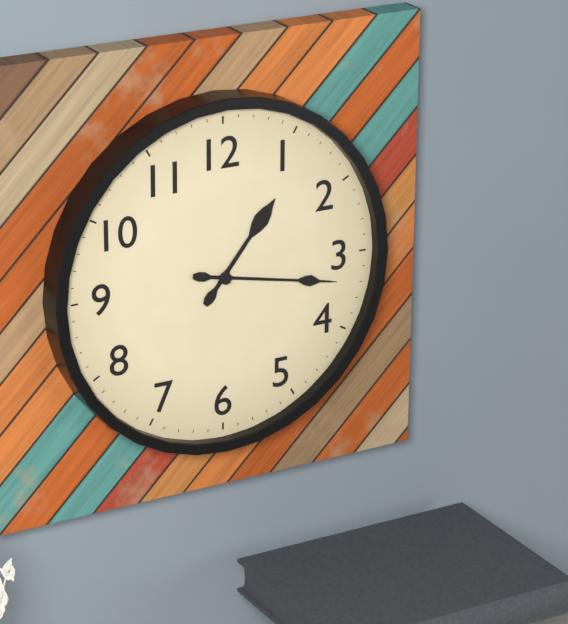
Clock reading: 1.17
